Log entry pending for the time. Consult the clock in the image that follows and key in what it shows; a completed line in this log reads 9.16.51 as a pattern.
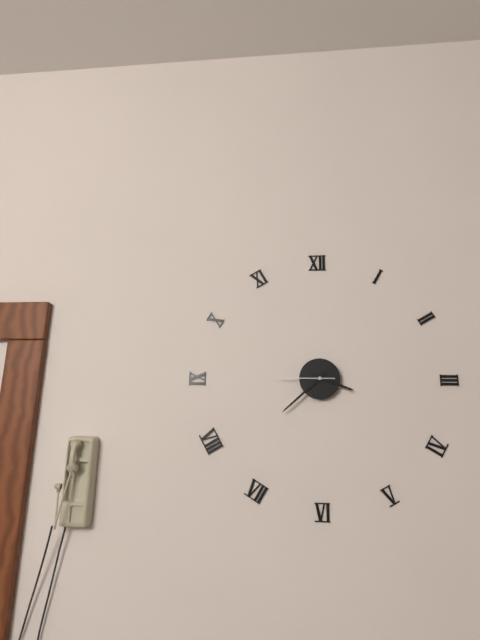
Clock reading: 3.38.45
